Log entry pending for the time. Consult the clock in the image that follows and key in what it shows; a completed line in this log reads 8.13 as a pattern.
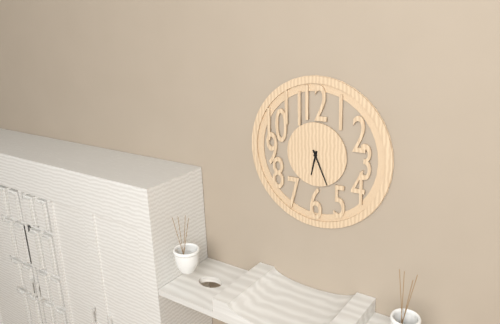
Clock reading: 6.26
